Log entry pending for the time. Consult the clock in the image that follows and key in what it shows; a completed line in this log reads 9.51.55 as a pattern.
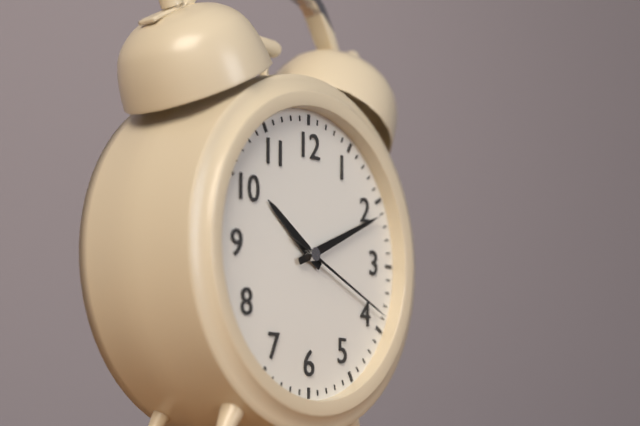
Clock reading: 10.11.19
